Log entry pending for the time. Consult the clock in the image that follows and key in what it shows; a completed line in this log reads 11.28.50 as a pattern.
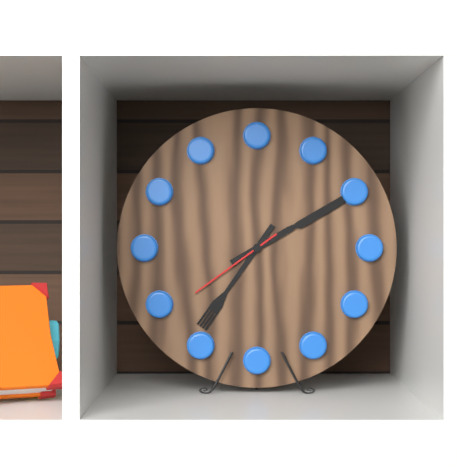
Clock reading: 7.10.39
